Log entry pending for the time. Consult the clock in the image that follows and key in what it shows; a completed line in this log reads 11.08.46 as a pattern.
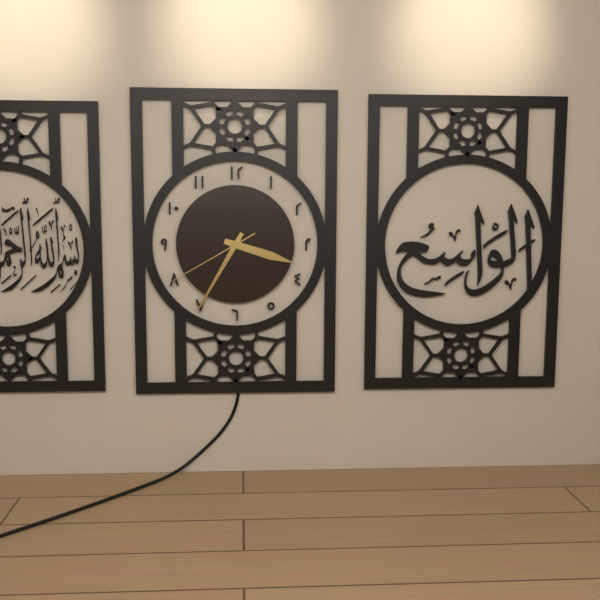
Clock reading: 3.35.40
